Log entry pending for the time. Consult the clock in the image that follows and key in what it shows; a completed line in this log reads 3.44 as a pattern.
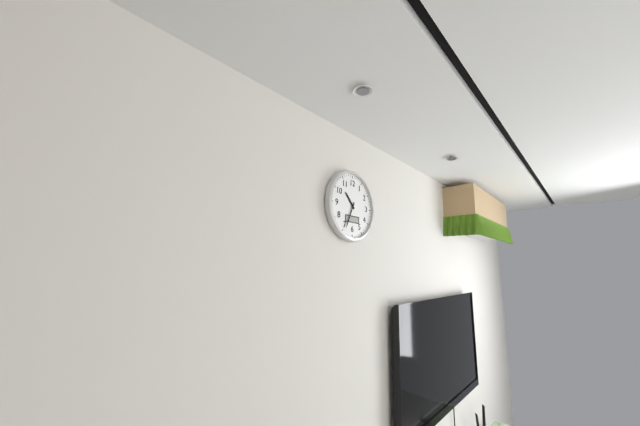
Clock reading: 10.34
